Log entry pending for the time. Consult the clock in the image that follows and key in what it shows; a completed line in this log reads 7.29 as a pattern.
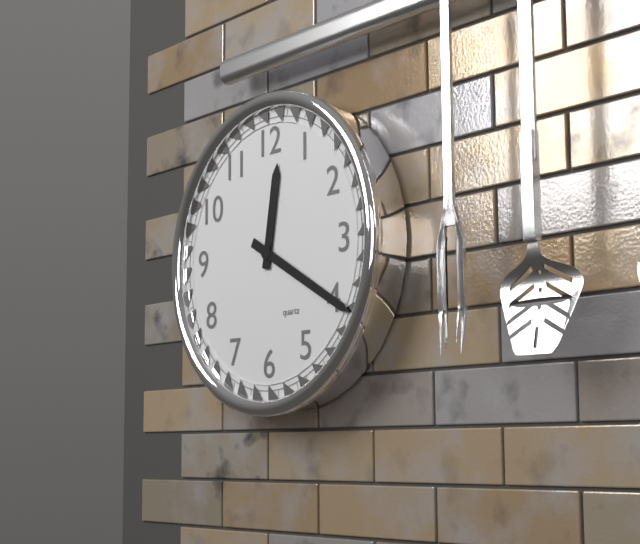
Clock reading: 12.20
